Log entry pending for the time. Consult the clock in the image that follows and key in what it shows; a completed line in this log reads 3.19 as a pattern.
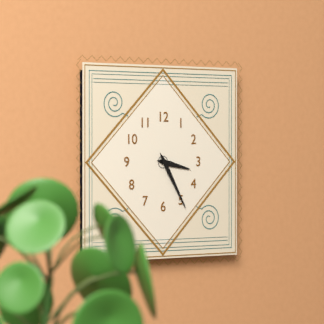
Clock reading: 3.25
